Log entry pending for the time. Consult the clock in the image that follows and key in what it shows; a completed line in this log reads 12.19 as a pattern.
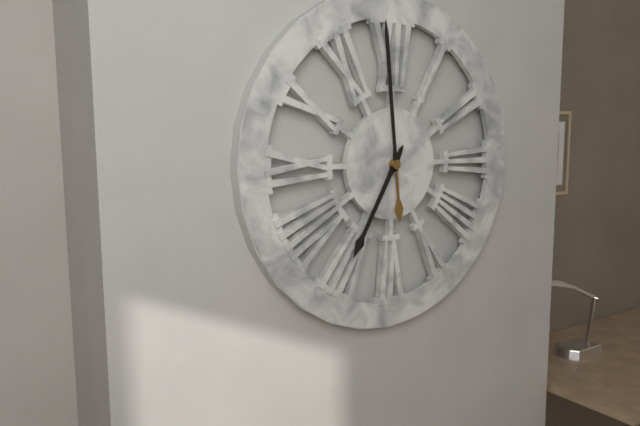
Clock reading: 6.59
